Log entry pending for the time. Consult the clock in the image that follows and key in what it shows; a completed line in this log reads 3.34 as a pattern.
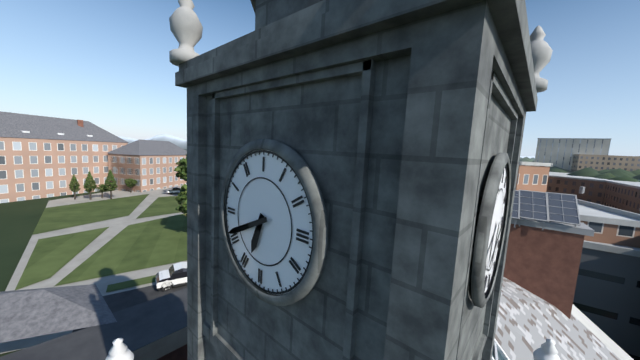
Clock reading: 6.41
